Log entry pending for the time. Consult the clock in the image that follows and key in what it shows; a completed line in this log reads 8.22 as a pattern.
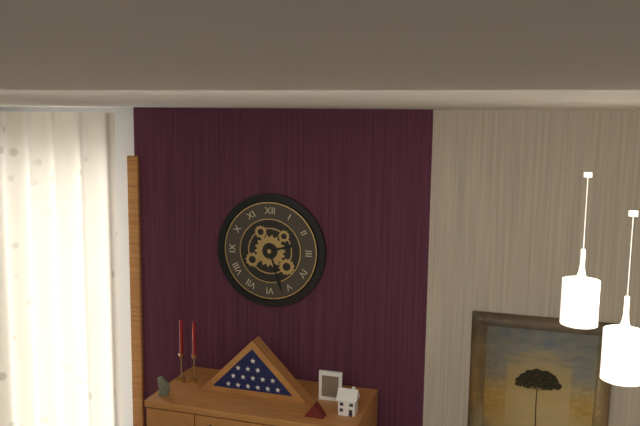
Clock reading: 2.27
